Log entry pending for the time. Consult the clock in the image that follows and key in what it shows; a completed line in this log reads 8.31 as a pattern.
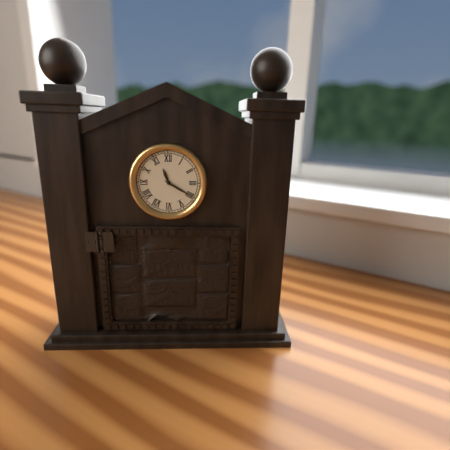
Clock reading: 11.20
